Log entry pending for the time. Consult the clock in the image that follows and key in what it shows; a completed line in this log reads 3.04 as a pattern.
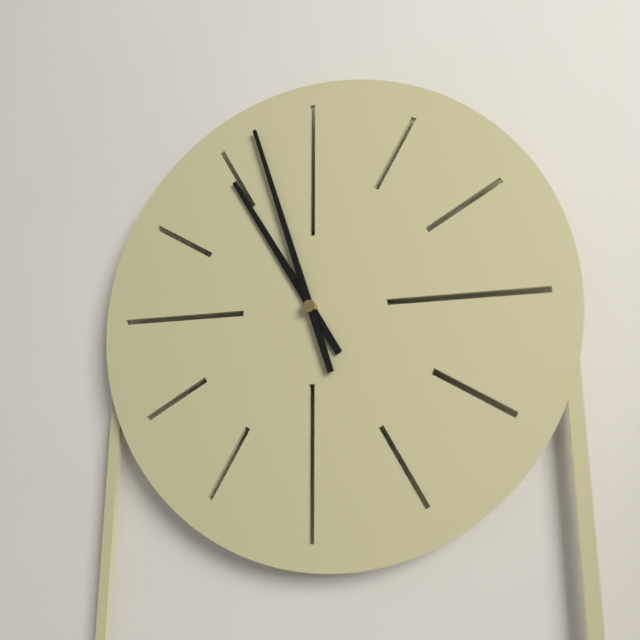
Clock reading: 10.57
